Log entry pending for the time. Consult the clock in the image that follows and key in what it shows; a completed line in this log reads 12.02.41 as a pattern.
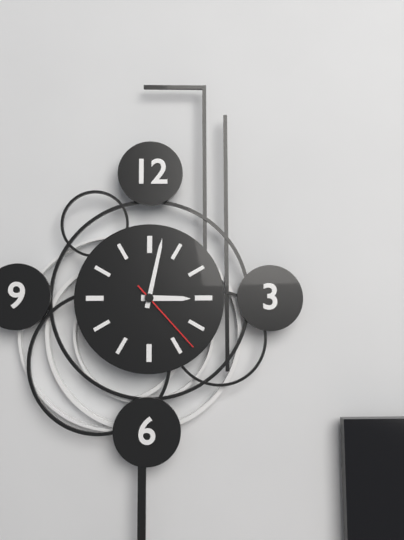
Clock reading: 3.02.23
